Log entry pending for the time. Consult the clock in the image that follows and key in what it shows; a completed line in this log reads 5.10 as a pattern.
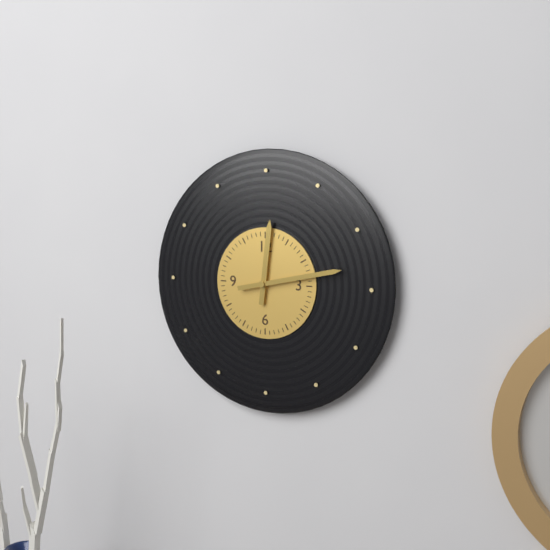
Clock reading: 12.13
